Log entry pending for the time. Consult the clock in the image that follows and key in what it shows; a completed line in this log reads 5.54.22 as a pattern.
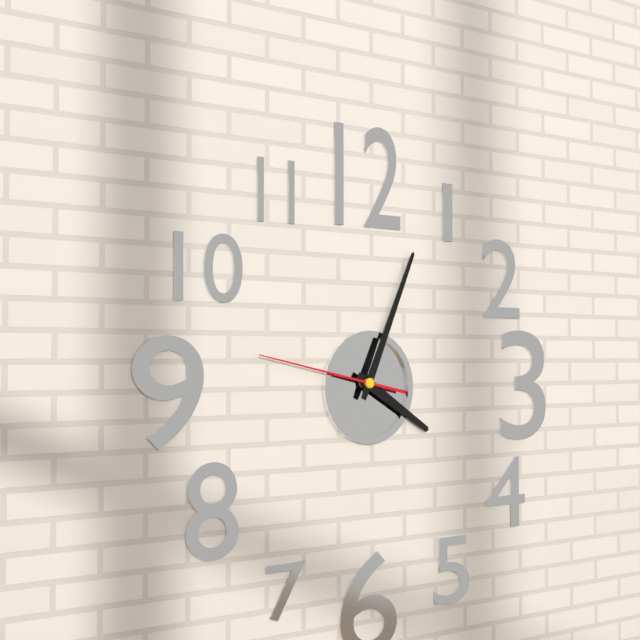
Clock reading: 4.04.47
